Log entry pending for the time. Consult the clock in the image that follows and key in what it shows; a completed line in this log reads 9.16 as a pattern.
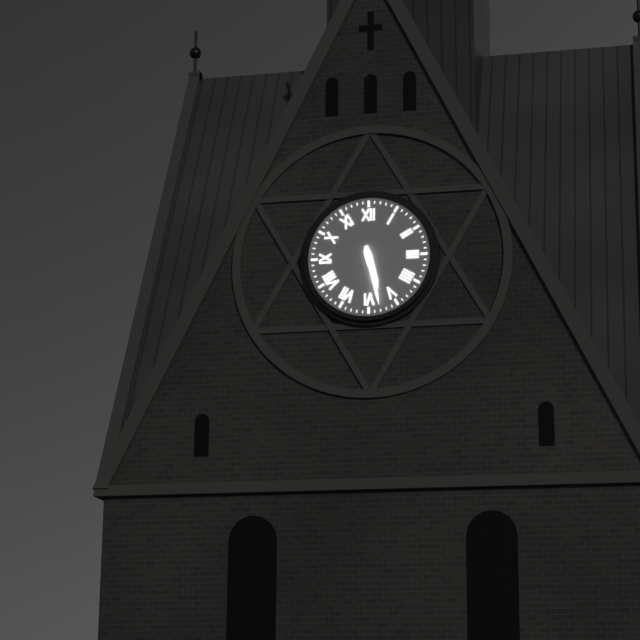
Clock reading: 5.28
